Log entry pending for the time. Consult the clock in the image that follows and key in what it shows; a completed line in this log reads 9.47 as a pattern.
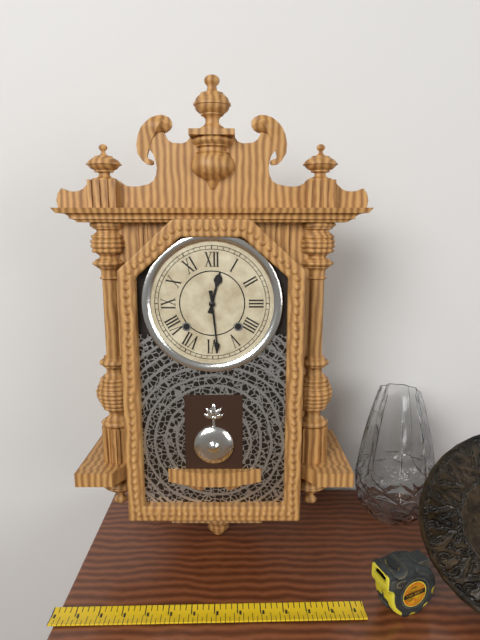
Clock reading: 12.29
